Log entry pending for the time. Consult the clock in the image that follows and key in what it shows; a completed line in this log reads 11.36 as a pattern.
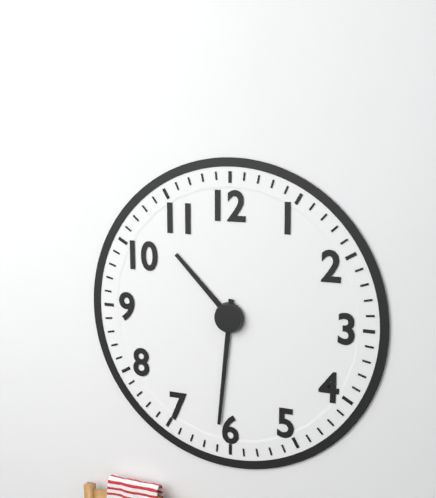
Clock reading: 10.31
